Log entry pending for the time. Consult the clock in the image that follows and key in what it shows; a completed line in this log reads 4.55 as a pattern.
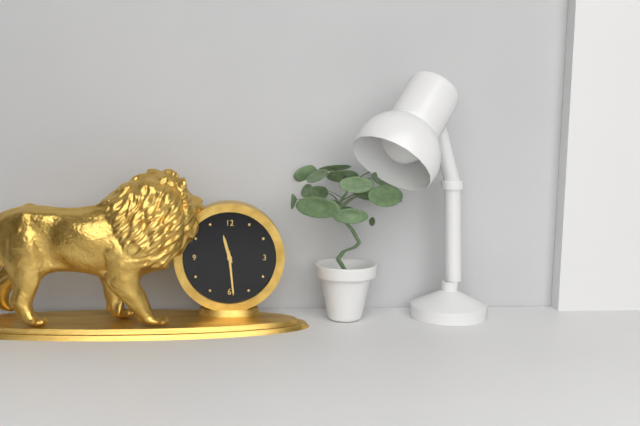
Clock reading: 11.29
